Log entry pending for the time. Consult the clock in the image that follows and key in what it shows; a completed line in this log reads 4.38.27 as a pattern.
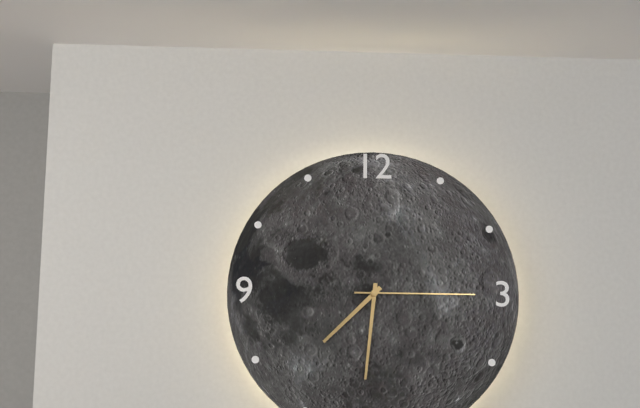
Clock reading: 7.31.15
